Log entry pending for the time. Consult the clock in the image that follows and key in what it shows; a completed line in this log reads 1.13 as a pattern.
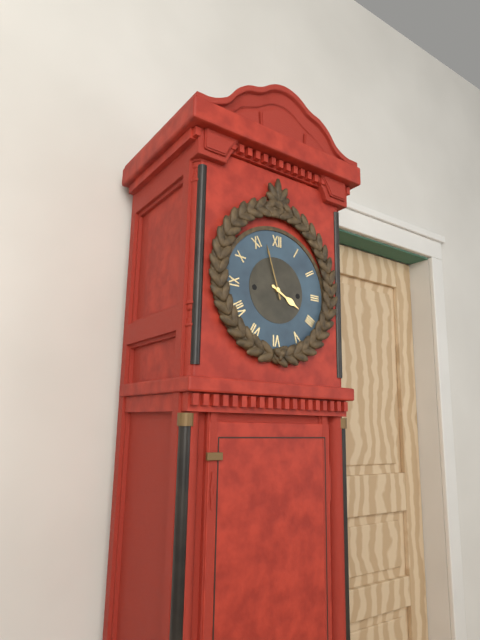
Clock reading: 3.57
